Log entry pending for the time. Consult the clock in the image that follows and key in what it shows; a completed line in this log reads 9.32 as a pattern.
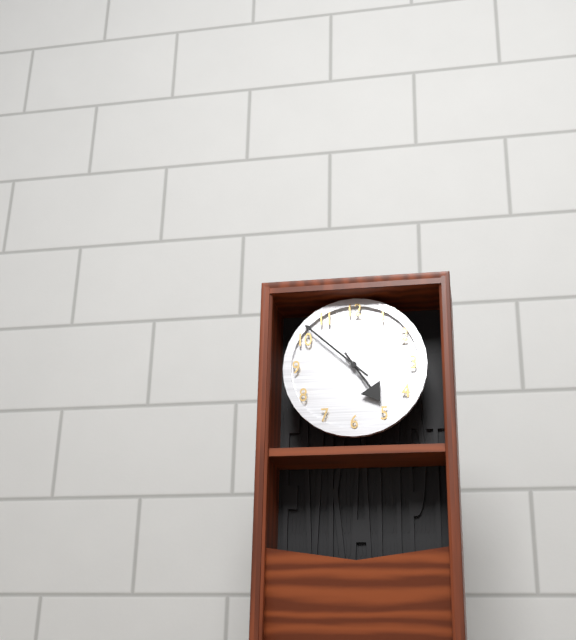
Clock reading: 4.52
